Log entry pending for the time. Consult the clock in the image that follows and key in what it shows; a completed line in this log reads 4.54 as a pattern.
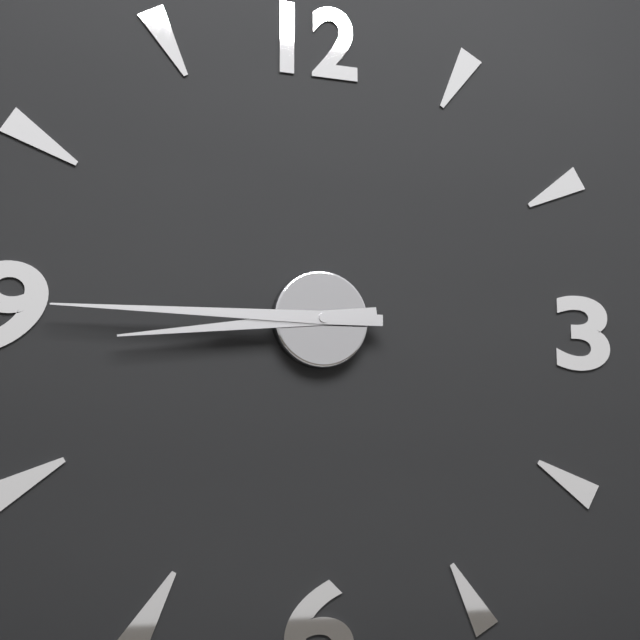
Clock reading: 8.45
